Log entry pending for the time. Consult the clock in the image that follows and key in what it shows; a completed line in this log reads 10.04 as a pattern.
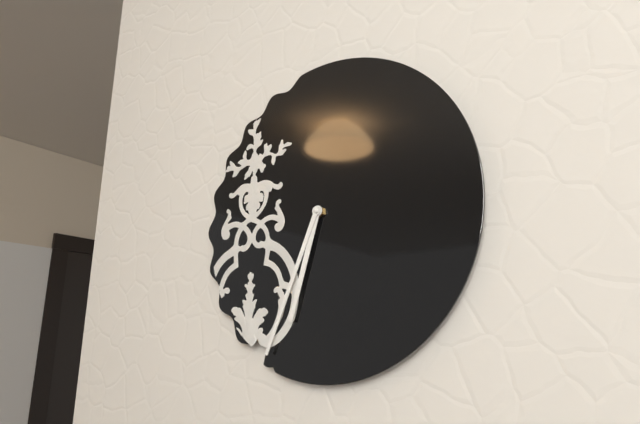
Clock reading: 6.34
